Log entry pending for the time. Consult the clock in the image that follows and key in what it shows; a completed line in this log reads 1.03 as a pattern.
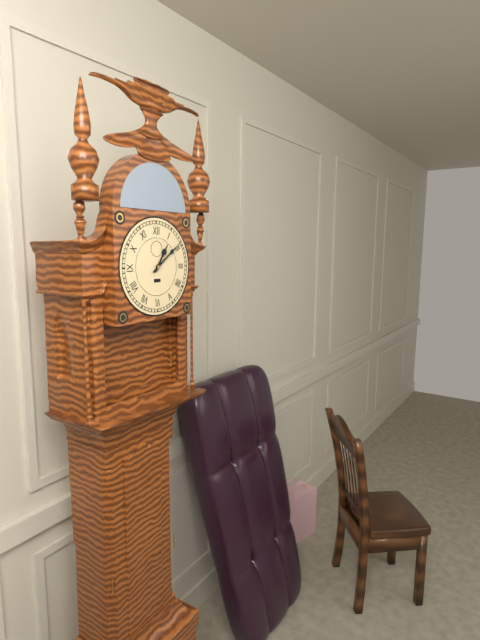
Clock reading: 1.09
